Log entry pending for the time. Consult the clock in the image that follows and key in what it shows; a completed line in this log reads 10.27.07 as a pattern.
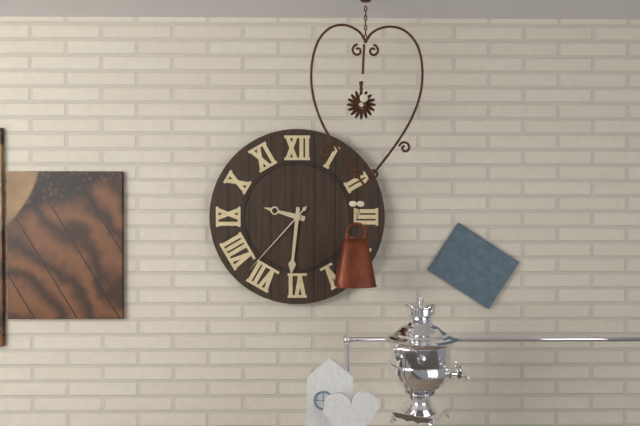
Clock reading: 9.31.37
